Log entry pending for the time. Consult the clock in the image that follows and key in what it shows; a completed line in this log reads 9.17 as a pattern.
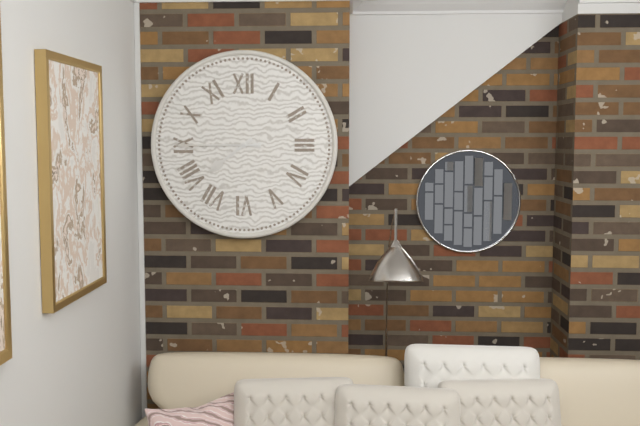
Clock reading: 7.45
